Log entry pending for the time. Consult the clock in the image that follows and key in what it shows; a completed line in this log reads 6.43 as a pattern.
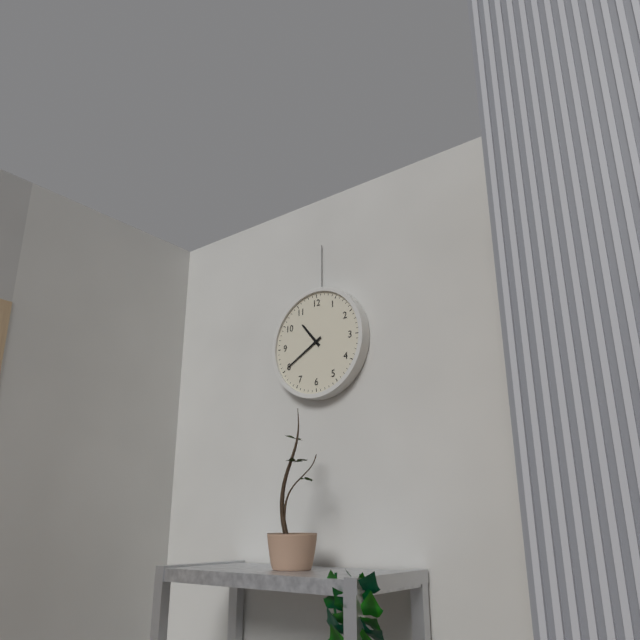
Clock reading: 10.40
